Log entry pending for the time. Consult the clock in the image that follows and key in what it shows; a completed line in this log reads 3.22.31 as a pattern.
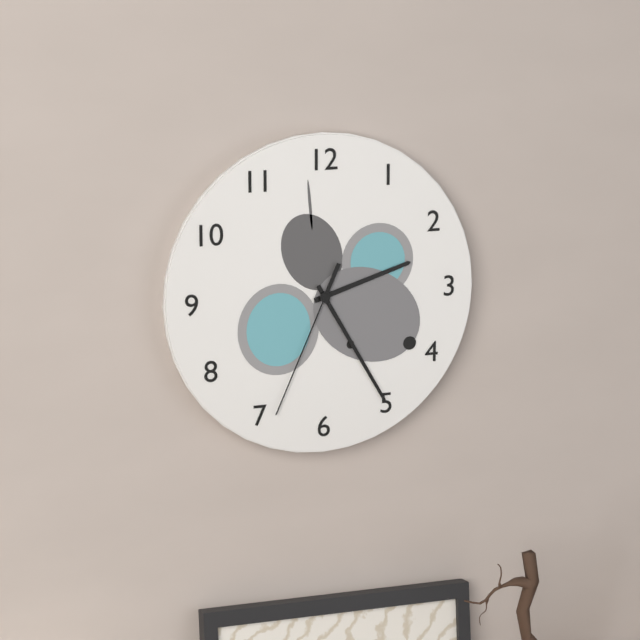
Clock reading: 2.25.34
